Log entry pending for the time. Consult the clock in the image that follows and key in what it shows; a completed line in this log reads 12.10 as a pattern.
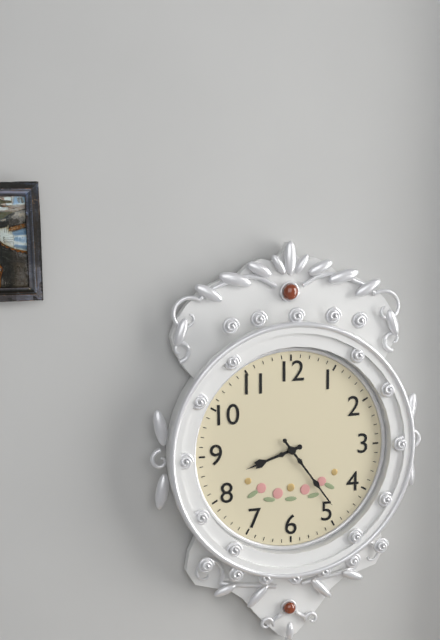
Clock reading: 8.24
